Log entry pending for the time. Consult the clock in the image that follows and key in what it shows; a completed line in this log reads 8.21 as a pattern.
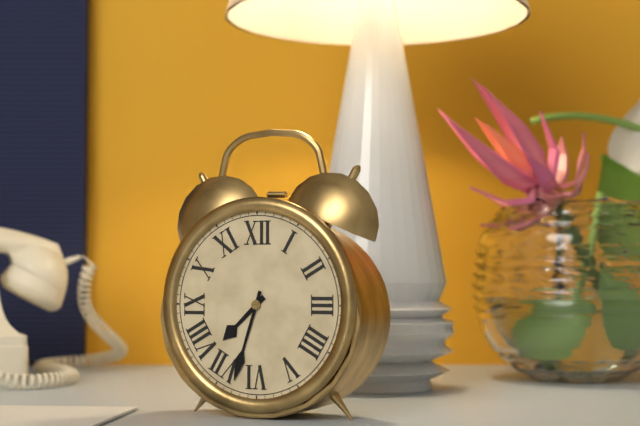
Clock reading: 7.33
